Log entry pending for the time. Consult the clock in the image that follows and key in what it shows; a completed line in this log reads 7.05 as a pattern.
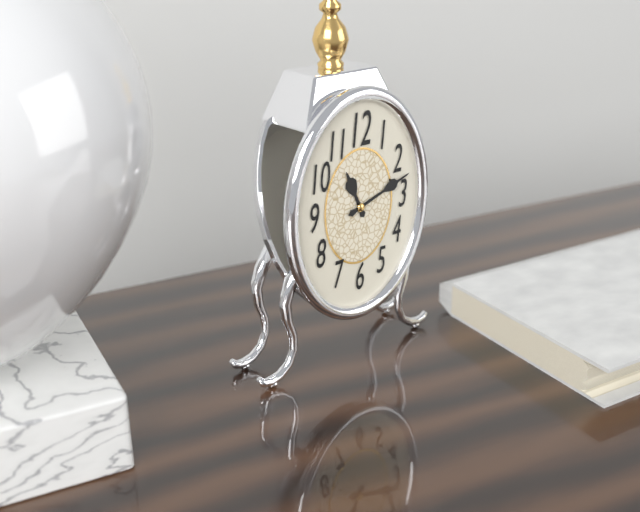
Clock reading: 11.12
